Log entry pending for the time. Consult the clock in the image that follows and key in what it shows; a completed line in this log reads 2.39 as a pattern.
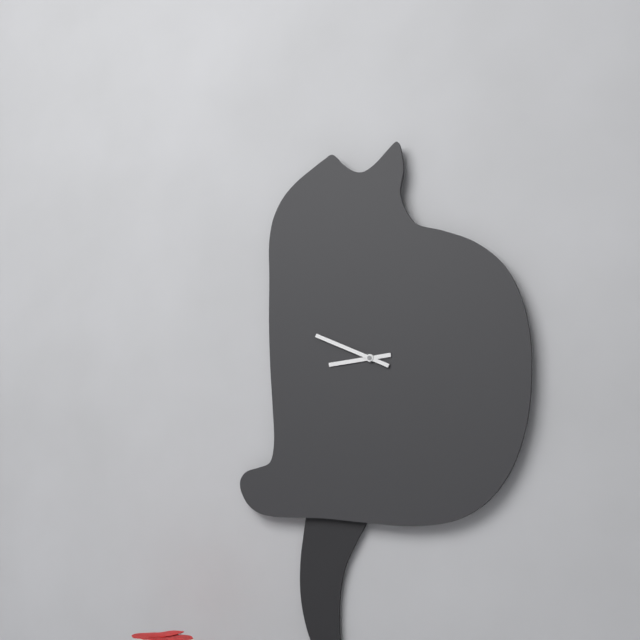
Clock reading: 8.49
